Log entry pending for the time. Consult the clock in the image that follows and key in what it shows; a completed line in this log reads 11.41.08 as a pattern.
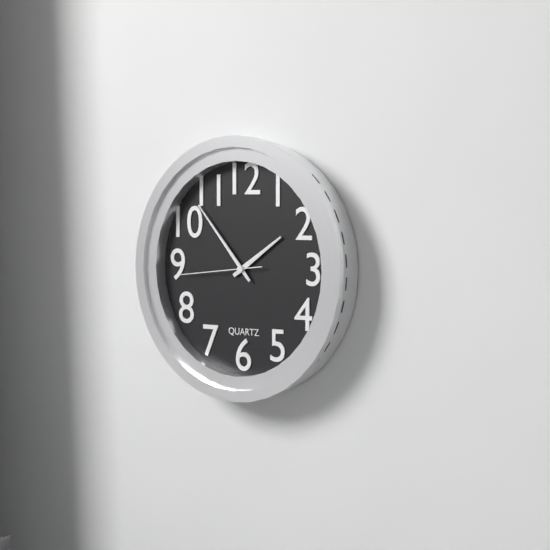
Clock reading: 1.53.44
